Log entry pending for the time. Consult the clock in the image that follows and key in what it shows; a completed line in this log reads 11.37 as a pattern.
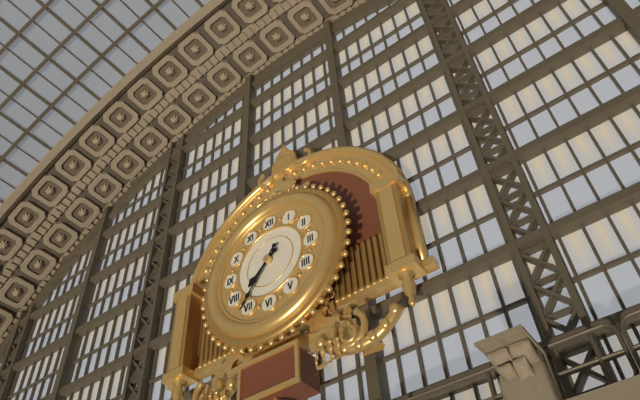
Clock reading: 7.36
